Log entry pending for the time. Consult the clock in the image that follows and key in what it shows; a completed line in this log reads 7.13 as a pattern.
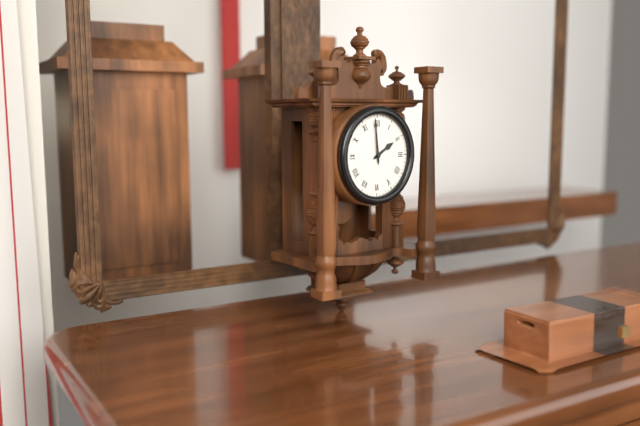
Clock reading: 1.59
